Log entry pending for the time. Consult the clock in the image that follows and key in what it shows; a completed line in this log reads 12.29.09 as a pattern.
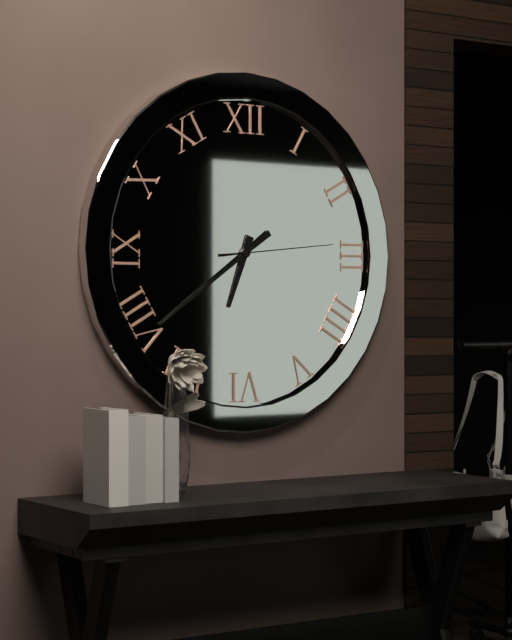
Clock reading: 6.39.14
